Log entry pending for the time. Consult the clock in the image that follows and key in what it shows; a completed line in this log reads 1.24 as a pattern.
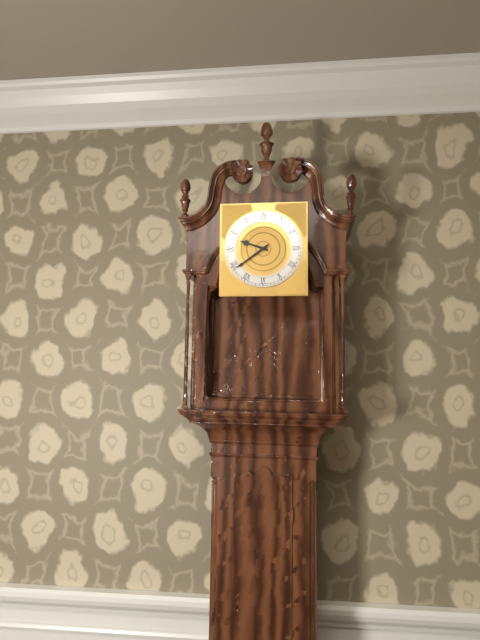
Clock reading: 9.39
